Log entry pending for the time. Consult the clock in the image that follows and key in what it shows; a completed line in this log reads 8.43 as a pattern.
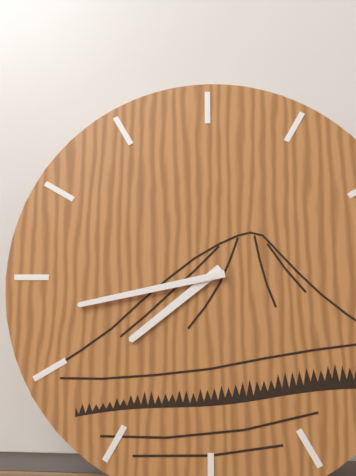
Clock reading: 7.43
